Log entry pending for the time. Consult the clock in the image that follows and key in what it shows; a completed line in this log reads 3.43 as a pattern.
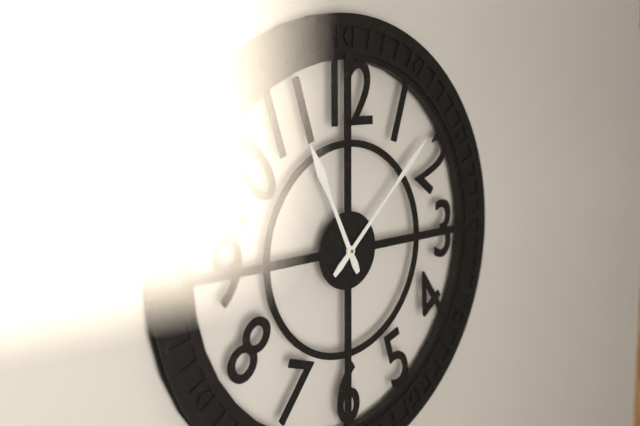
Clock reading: 11.08
